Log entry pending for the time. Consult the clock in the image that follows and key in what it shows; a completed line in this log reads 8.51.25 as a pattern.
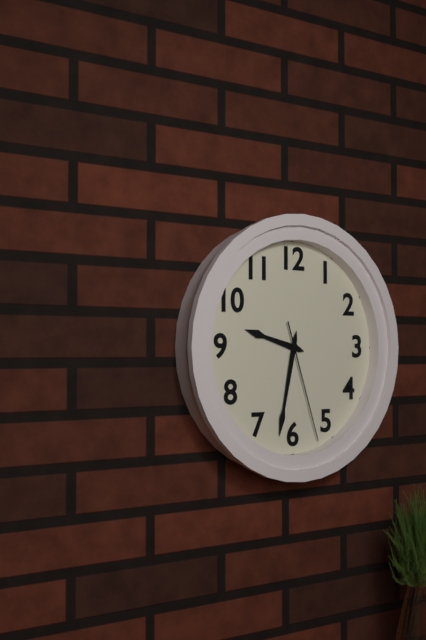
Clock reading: 9.32.27
